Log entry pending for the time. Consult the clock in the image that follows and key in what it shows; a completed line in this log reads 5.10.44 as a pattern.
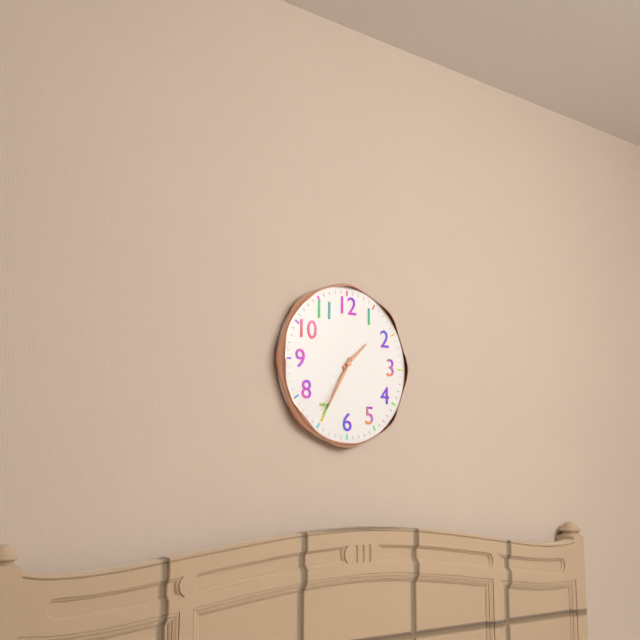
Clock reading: 1.35.36
